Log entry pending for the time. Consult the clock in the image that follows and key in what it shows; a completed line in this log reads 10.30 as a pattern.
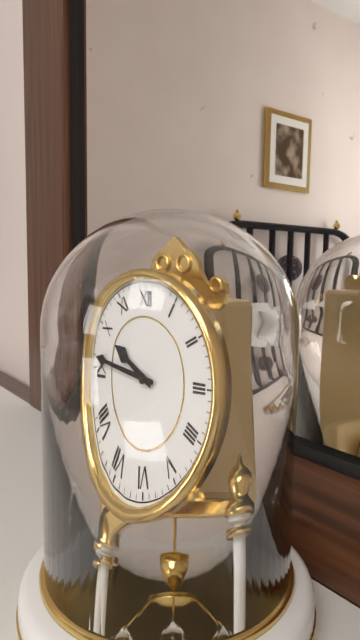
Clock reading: 9.46
